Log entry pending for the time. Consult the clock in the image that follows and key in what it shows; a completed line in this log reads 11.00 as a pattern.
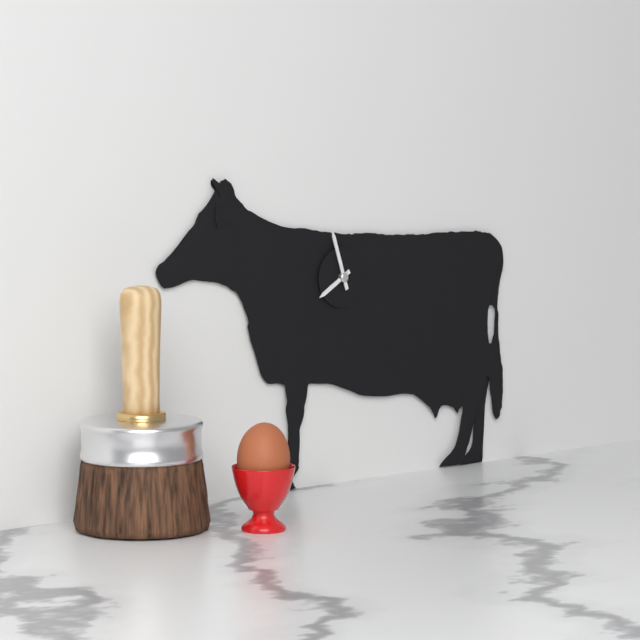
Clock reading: 7.57
